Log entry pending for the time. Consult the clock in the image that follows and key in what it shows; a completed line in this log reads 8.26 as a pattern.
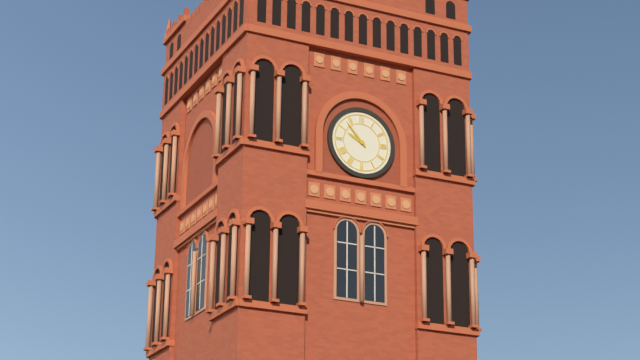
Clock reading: 9.53
